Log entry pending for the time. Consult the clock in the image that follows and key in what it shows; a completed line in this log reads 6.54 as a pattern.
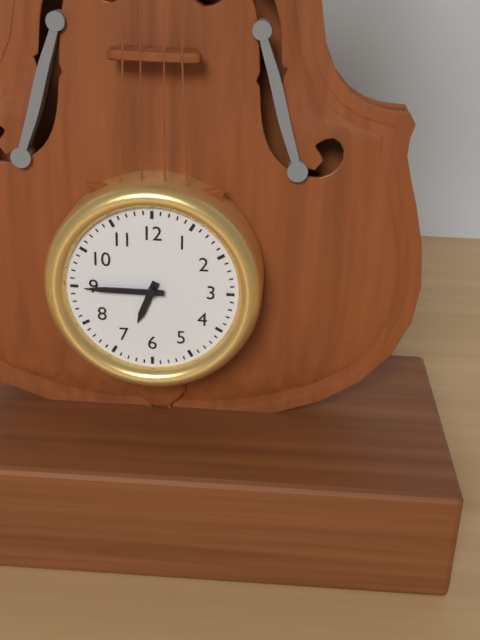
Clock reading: 6.45
